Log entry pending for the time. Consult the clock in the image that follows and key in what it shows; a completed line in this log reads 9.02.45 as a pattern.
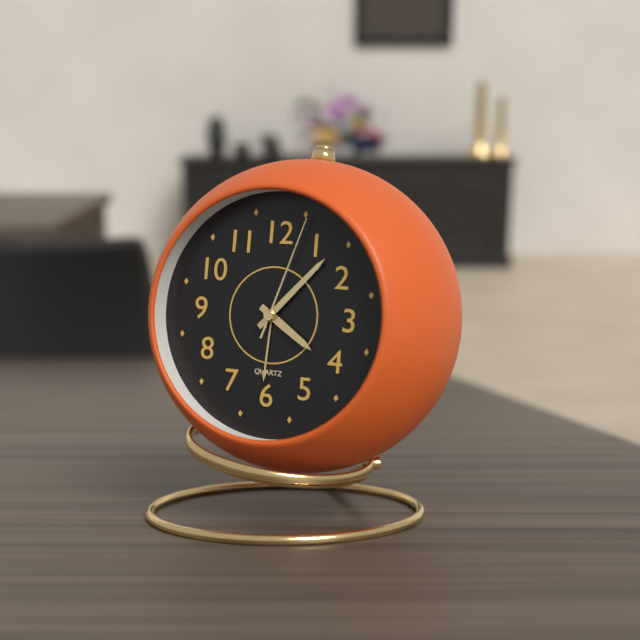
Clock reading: 4.07.03
